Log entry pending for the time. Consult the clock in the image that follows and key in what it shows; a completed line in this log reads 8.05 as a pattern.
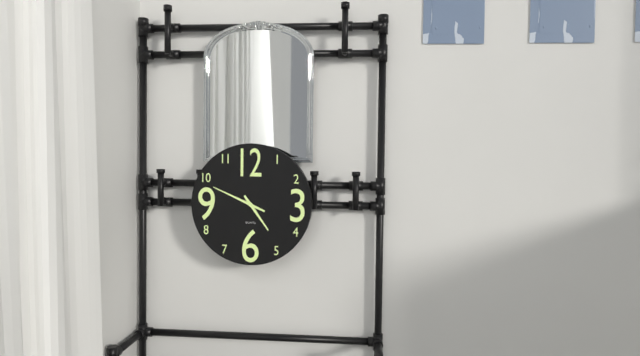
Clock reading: 4.49
